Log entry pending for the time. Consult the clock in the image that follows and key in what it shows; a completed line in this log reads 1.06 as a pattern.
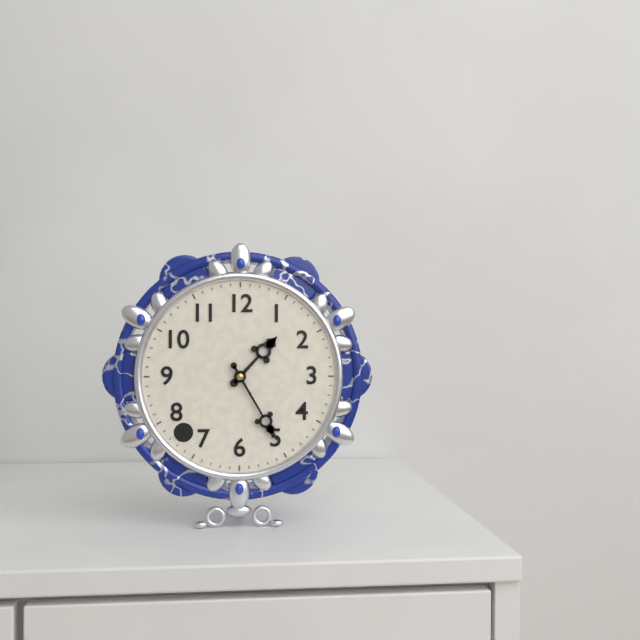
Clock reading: 1.25
